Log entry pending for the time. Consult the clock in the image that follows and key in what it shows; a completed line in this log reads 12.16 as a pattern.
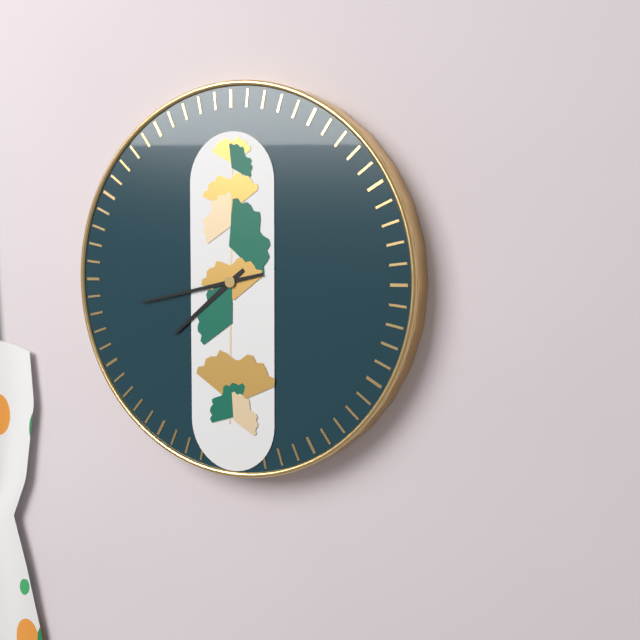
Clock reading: 7.43
